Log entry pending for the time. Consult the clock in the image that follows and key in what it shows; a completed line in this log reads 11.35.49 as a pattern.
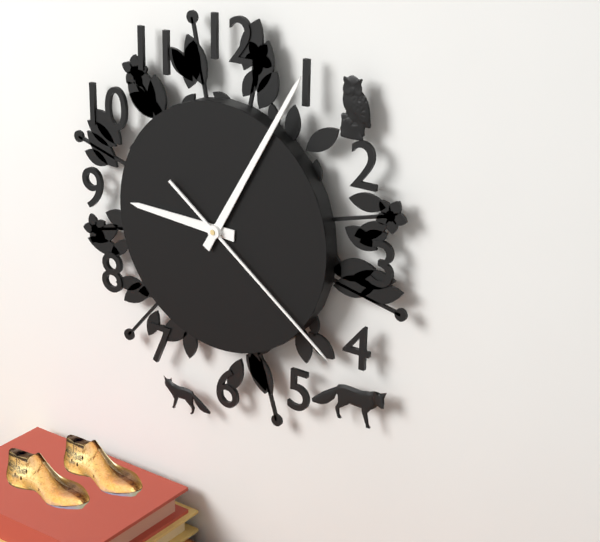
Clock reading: 9.05.21
